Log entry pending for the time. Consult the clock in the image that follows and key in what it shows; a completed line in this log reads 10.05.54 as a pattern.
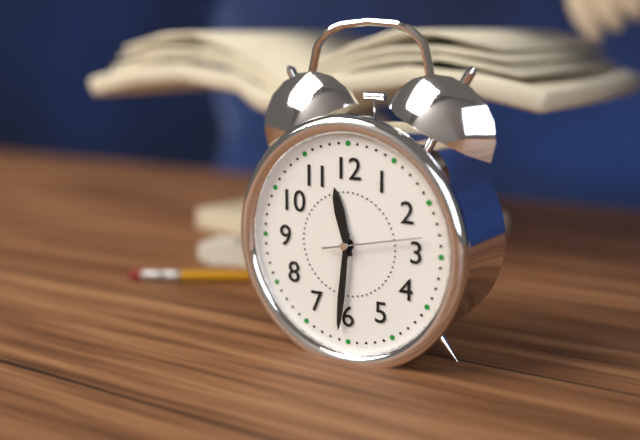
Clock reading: 11.31.13
